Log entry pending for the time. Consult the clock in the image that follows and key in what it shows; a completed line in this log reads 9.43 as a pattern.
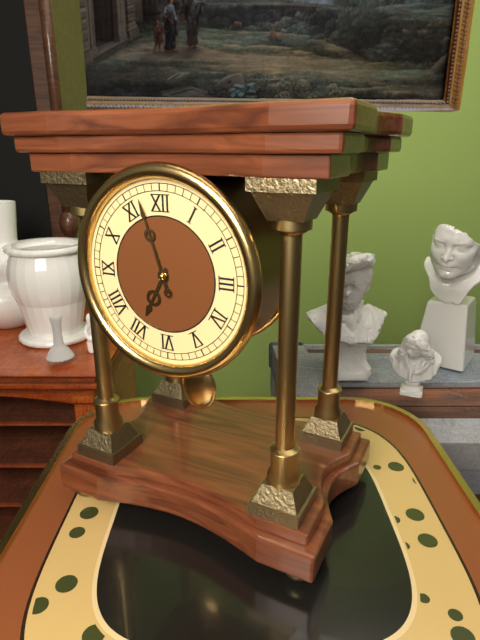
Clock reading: 6.57
